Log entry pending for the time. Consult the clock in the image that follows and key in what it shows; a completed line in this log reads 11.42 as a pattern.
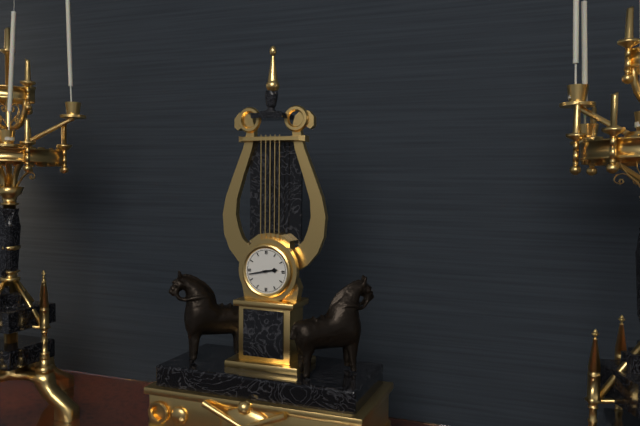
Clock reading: 2.43
